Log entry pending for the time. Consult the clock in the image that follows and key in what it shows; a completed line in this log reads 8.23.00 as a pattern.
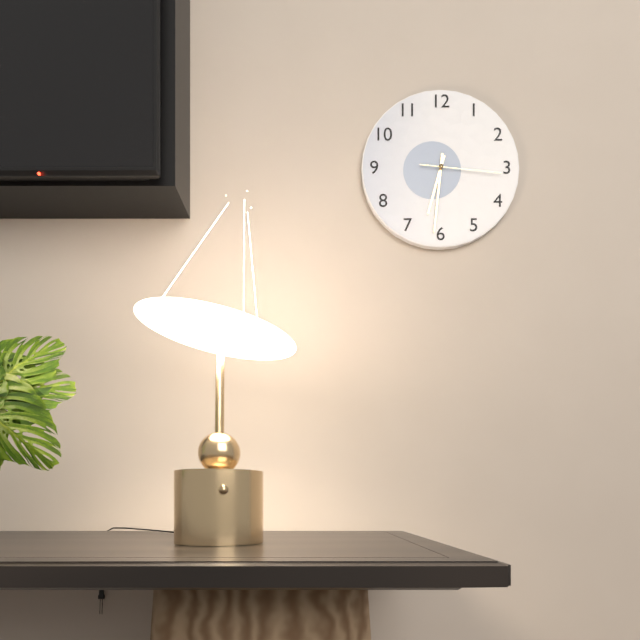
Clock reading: 6.31.16
